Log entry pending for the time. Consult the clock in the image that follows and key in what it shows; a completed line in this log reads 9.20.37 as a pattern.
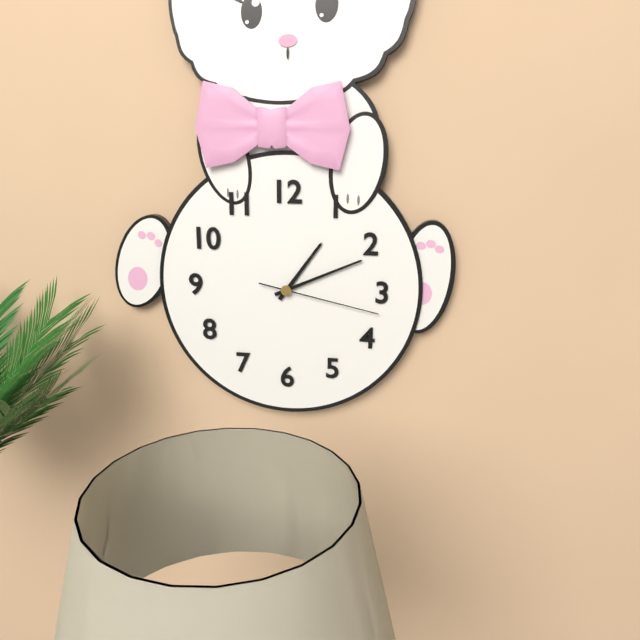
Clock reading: 1.11.17
